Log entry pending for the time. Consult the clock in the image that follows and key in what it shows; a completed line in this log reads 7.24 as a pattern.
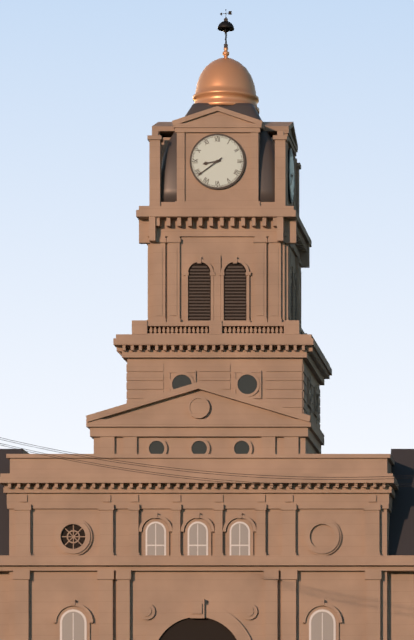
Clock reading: 8.39
